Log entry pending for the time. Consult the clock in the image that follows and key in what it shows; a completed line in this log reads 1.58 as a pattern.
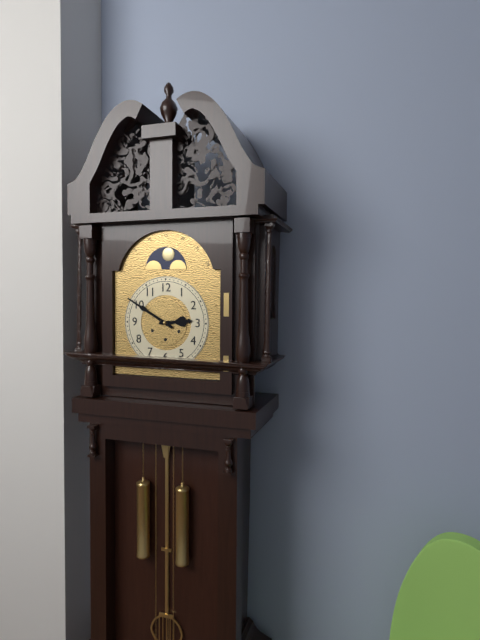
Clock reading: 2.50
